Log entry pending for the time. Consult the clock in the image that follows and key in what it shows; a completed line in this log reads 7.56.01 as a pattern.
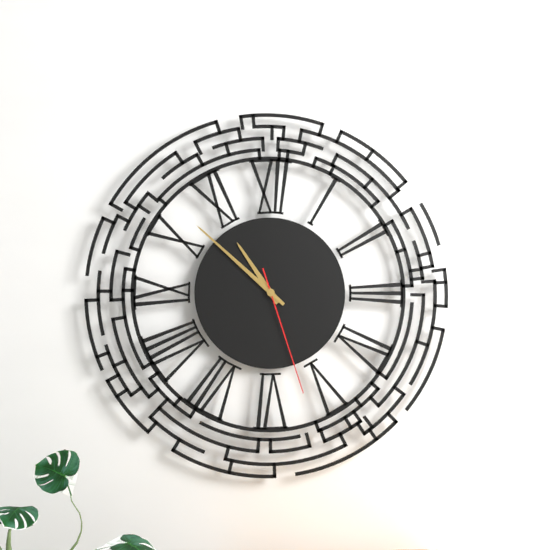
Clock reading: 10.52.27
